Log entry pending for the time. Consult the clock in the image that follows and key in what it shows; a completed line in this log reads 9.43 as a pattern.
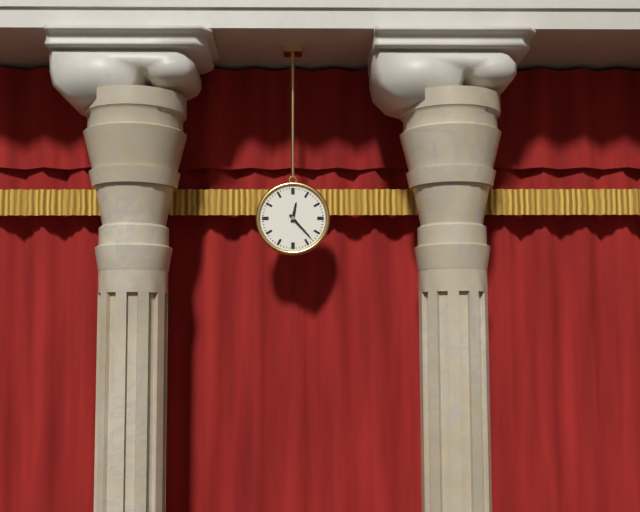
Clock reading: 12.23
